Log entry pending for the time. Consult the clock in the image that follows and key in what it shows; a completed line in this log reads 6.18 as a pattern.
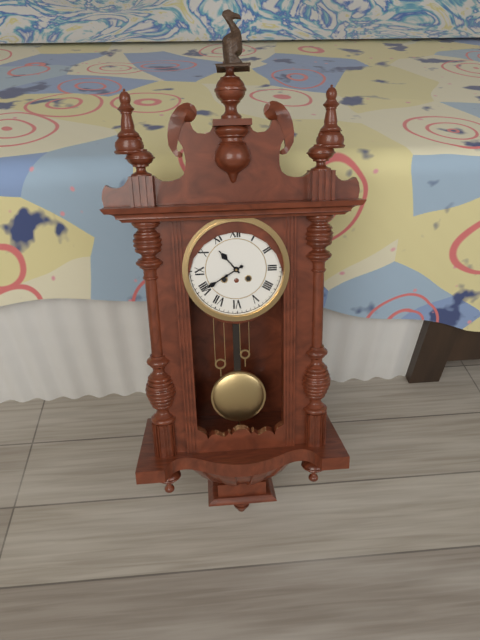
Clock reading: 10.40
